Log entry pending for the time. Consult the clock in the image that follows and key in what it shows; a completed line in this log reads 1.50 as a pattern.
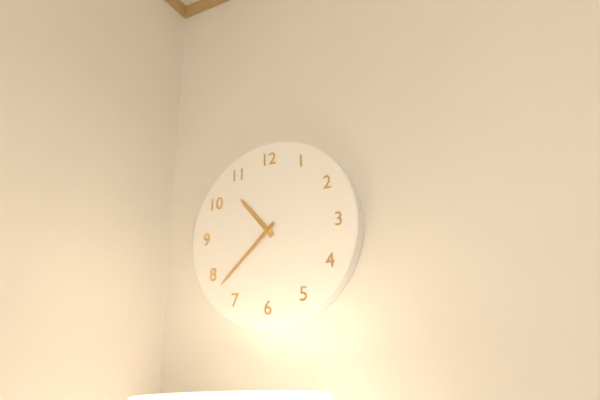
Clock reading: 10.38
